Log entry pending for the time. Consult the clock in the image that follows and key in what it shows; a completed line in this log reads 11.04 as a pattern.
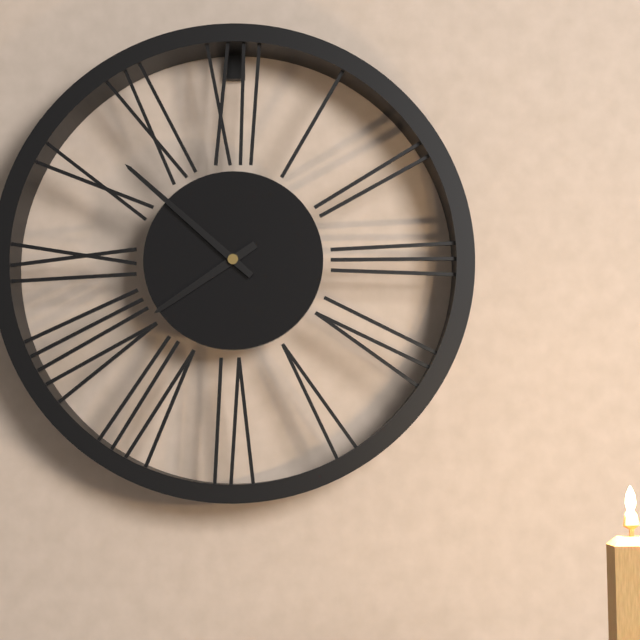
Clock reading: 7.52
